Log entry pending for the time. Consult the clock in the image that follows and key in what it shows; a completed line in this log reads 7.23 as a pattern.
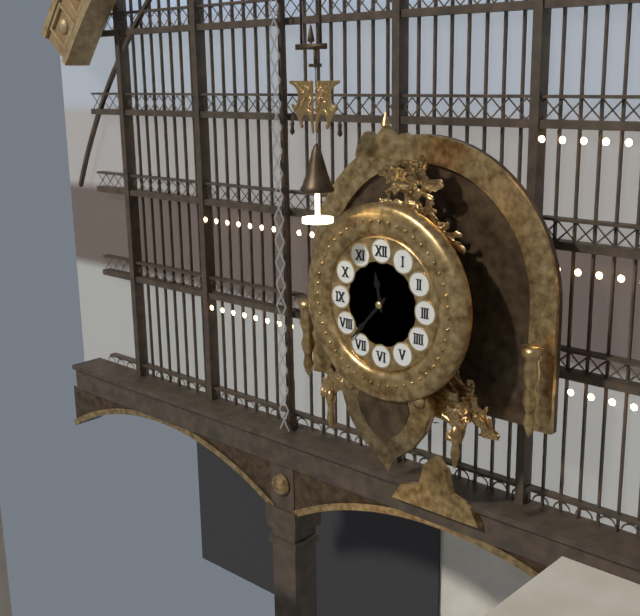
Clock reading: 11.37
